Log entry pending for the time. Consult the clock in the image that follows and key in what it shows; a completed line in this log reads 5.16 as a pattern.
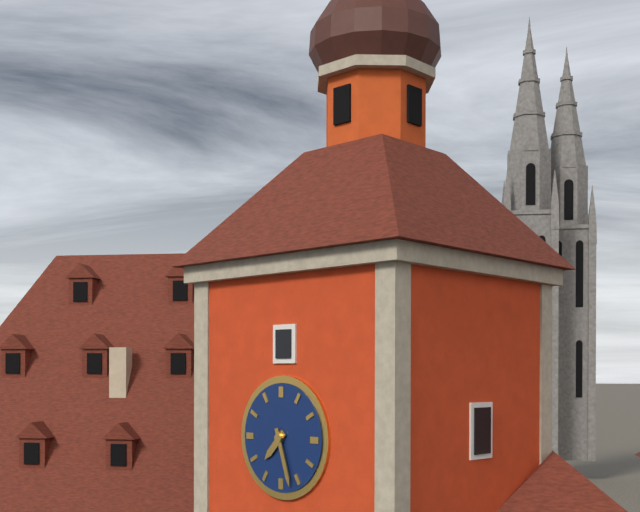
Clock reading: 7.27
